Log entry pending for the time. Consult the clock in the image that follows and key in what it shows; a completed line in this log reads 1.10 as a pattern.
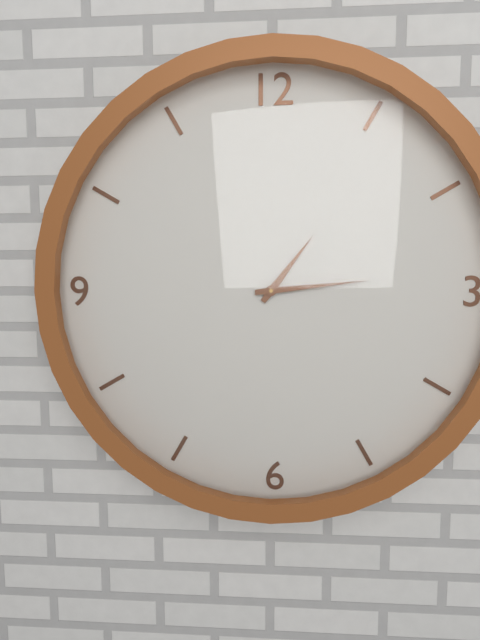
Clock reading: 1.14
